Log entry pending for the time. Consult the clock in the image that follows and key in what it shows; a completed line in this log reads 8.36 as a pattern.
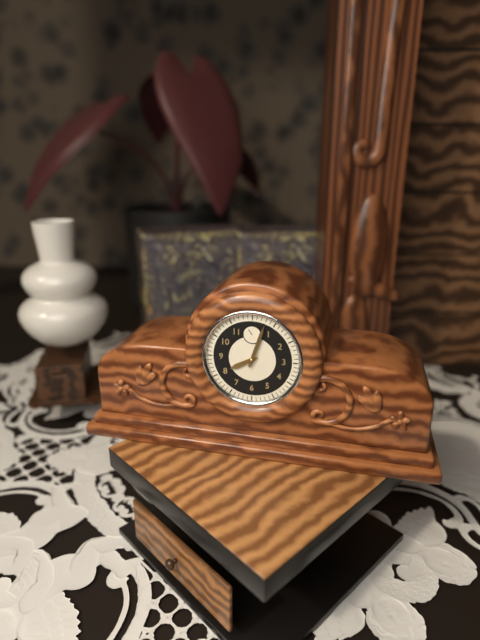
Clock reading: 8.03
